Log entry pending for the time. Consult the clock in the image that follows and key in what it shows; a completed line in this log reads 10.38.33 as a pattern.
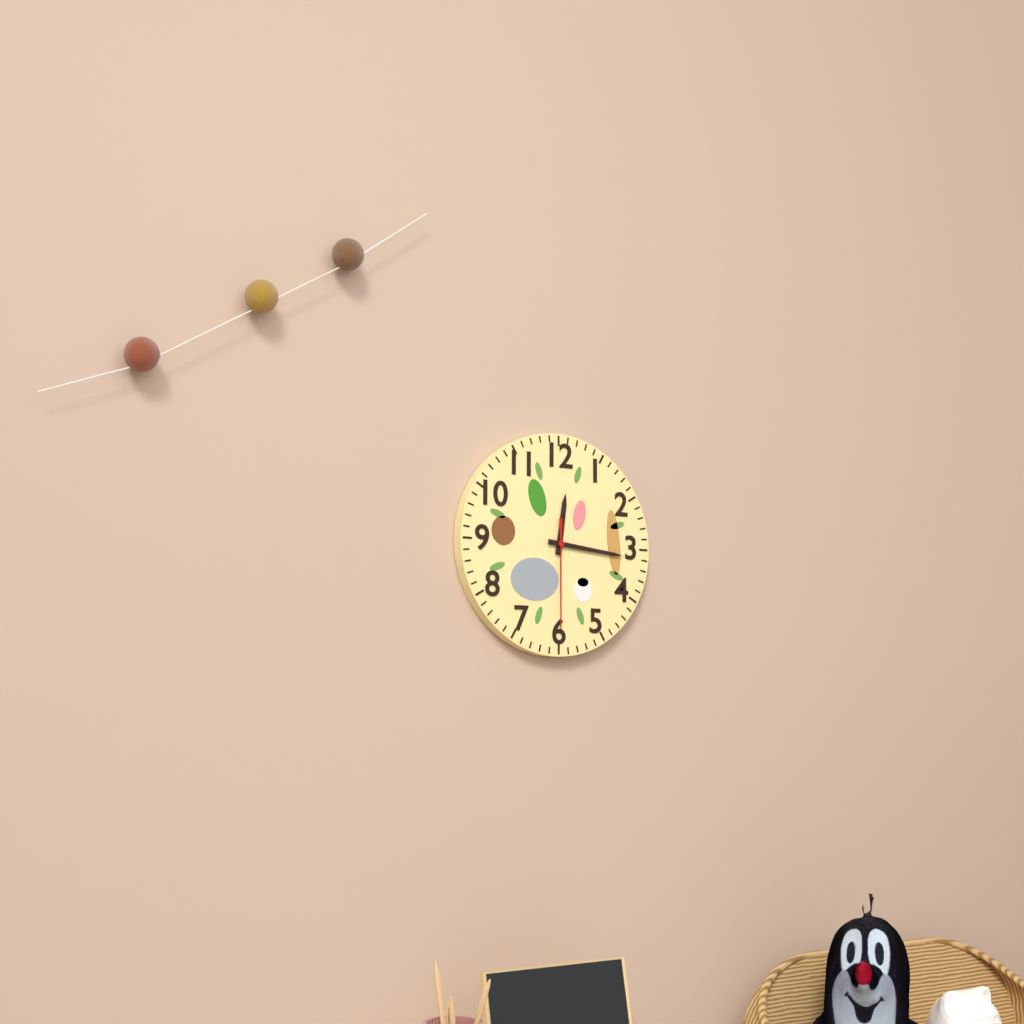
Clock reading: 12.16.30
